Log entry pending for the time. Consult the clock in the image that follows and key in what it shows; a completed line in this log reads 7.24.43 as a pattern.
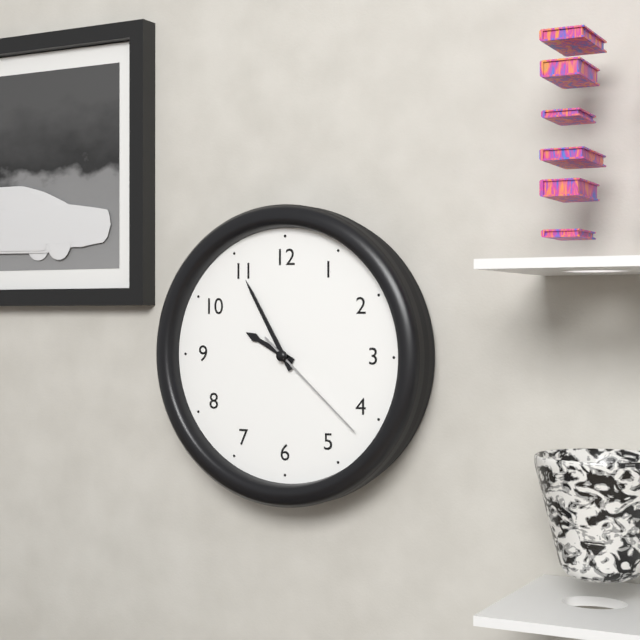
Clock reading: 9.55.22
